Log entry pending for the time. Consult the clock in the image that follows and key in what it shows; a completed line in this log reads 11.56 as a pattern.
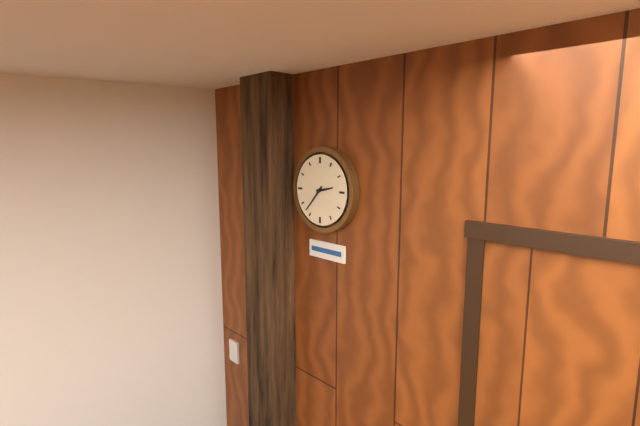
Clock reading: 2.37
